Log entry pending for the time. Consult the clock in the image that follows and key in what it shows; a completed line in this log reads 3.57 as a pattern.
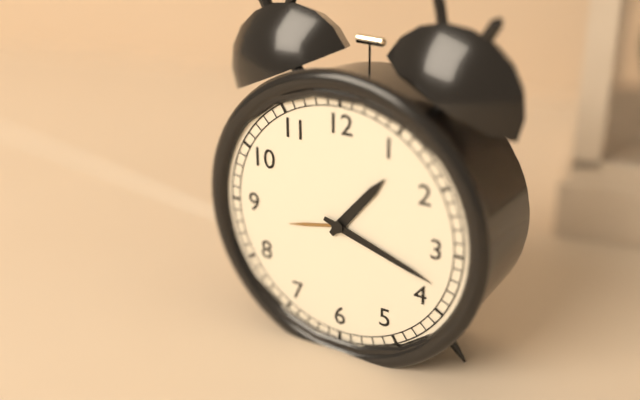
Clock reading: 1.18
